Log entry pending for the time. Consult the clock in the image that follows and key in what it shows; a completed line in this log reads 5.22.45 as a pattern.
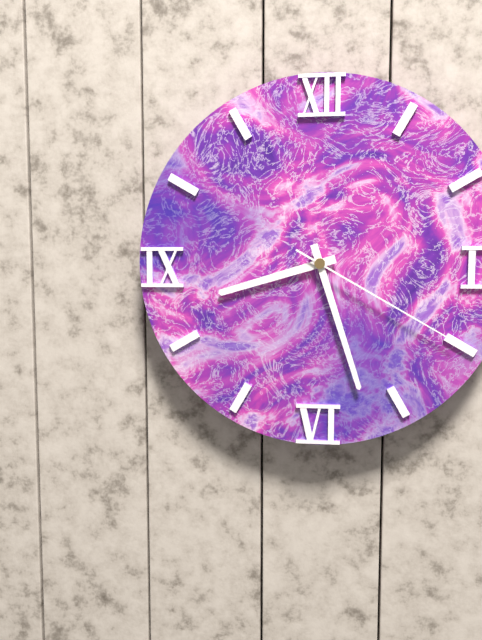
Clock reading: 8.27.20
